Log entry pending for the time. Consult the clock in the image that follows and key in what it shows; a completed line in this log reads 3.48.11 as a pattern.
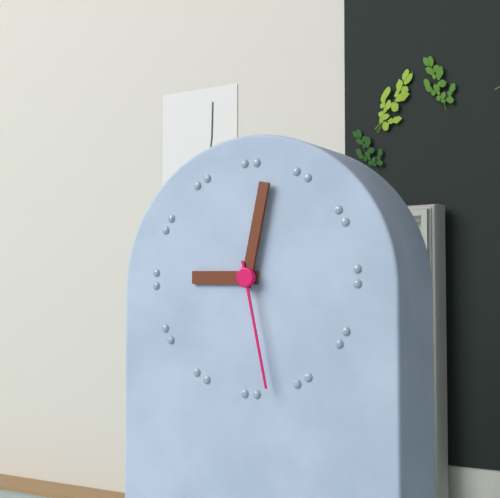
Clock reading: 9.02.28
